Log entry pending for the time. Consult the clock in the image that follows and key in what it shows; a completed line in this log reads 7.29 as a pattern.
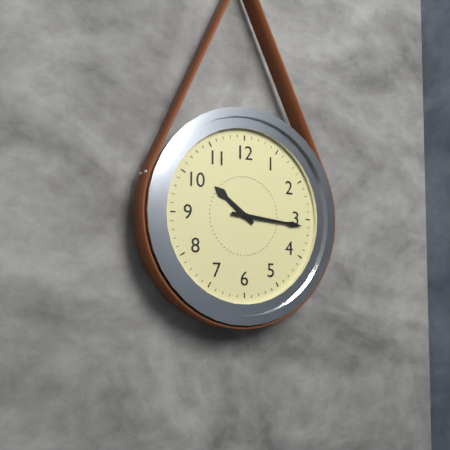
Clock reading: 10.16
